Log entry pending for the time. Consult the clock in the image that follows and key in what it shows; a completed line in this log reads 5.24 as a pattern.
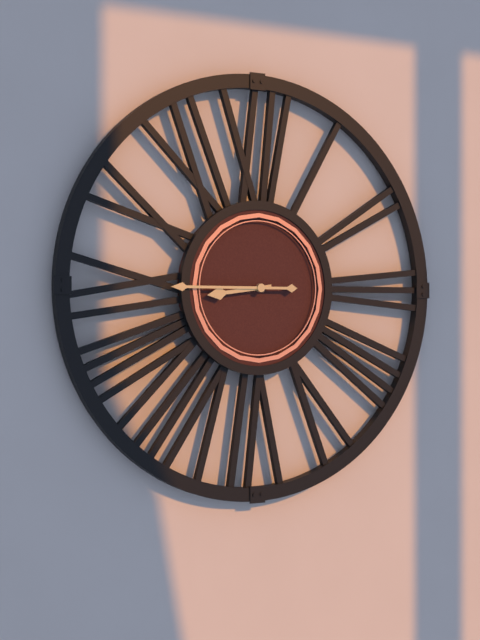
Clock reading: 8.45
